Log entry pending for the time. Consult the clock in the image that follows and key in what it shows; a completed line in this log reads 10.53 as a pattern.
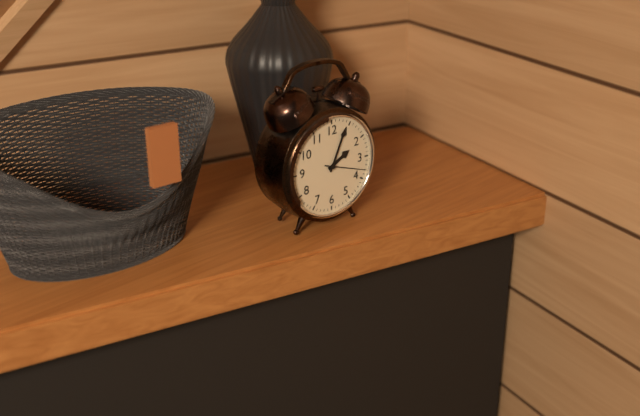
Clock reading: 2.04
